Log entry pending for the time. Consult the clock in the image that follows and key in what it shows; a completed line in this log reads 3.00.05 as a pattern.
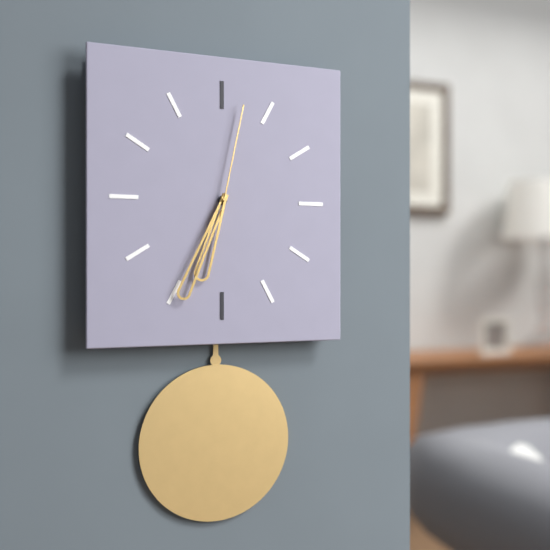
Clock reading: 6.34.02
